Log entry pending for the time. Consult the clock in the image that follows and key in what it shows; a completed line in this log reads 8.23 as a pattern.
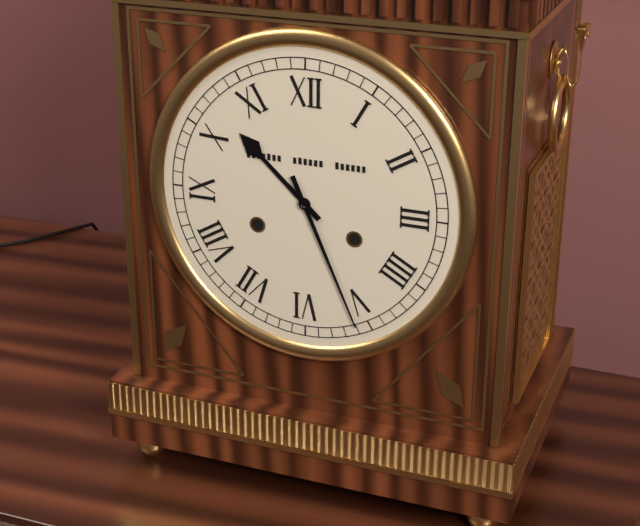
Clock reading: 10.26
